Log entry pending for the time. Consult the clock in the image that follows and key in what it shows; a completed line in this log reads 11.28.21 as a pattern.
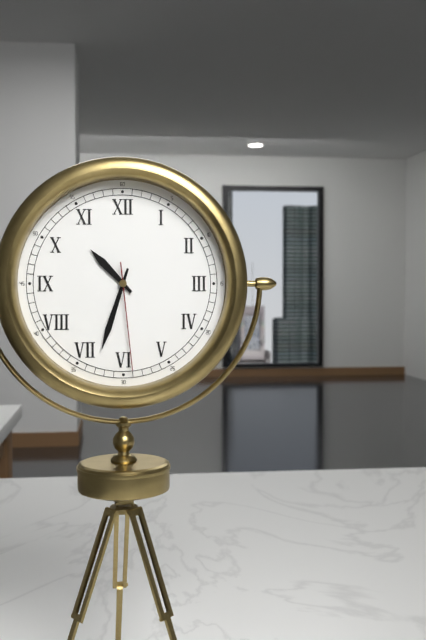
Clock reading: 10.33.29
